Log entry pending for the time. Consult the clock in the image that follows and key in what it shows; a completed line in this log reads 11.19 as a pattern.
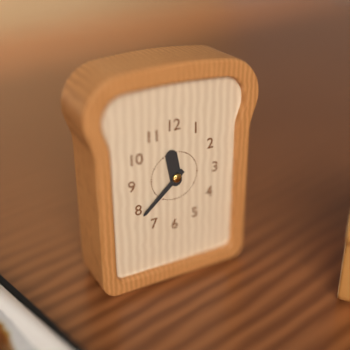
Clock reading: 11.38
